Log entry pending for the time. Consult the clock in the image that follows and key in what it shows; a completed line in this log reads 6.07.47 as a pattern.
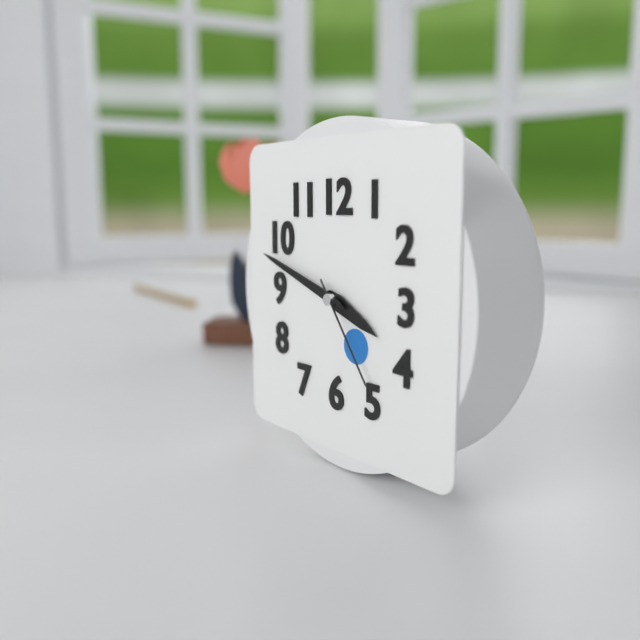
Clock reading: 3.48.24
